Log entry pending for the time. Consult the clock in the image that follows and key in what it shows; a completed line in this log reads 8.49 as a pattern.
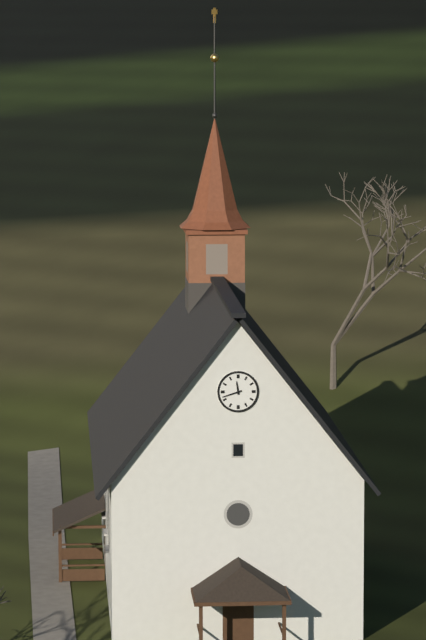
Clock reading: 11.42
